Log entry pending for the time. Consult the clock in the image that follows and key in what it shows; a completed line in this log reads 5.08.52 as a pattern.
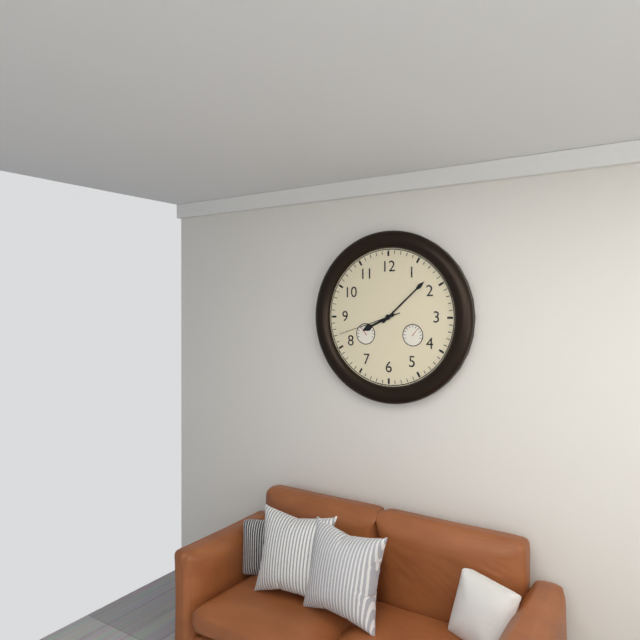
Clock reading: 8.08.42
